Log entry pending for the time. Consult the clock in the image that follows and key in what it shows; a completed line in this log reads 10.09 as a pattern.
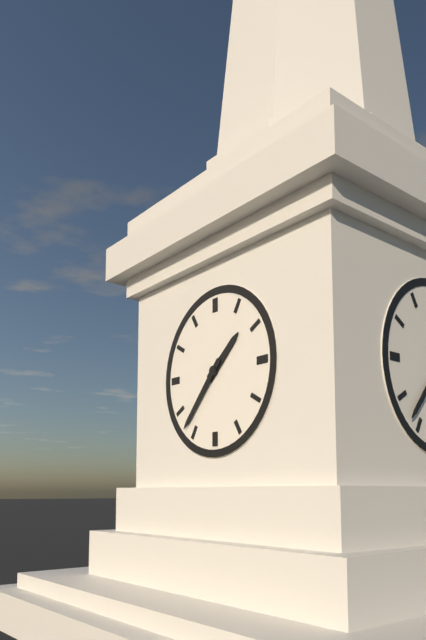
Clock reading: 1.37
